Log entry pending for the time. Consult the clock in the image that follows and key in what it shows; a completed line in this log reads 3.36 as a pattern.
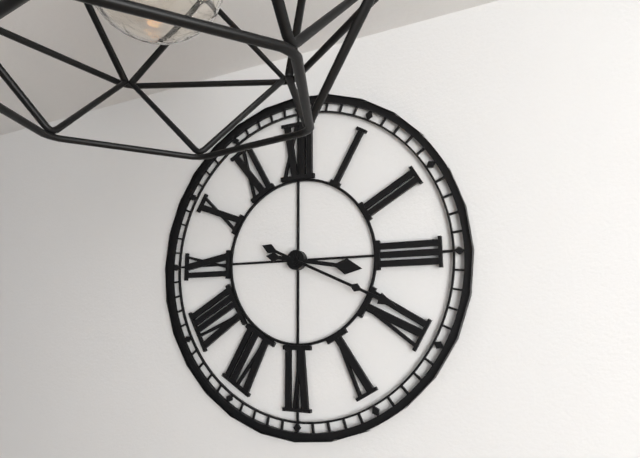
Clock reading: 3.19
